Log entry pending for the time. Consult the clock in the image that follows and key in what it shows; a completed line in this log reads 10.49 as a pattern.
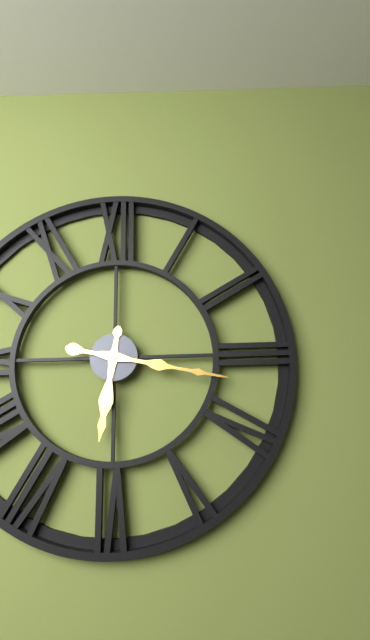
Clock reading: 6.17
